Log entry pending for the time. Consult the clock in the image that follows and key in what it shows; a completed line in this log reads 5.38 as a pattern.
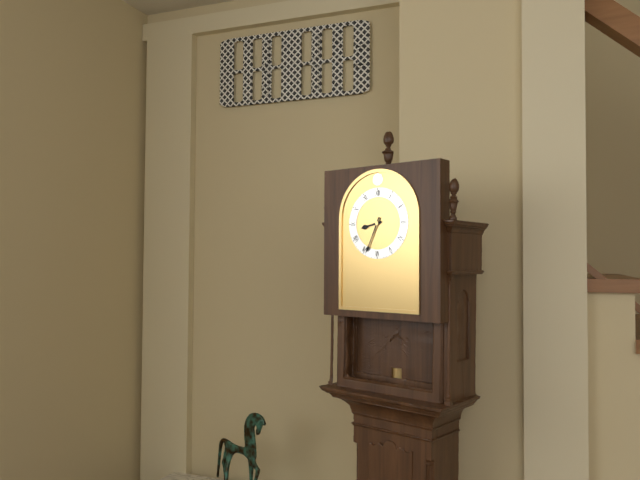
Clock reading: 8.34
